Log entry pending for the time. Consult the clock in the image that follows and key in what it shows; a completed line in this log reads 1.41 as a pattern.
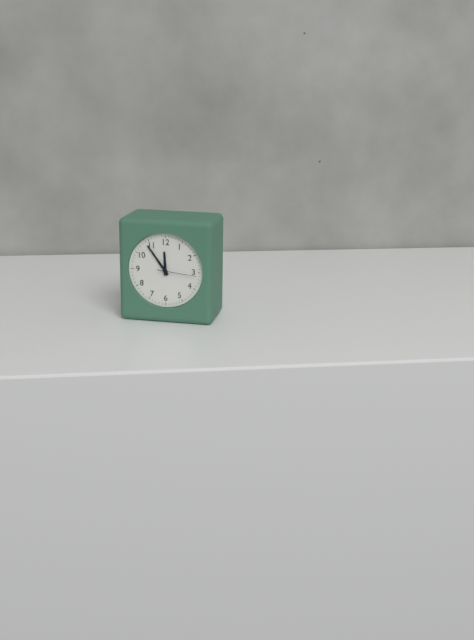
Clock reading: 11.54
